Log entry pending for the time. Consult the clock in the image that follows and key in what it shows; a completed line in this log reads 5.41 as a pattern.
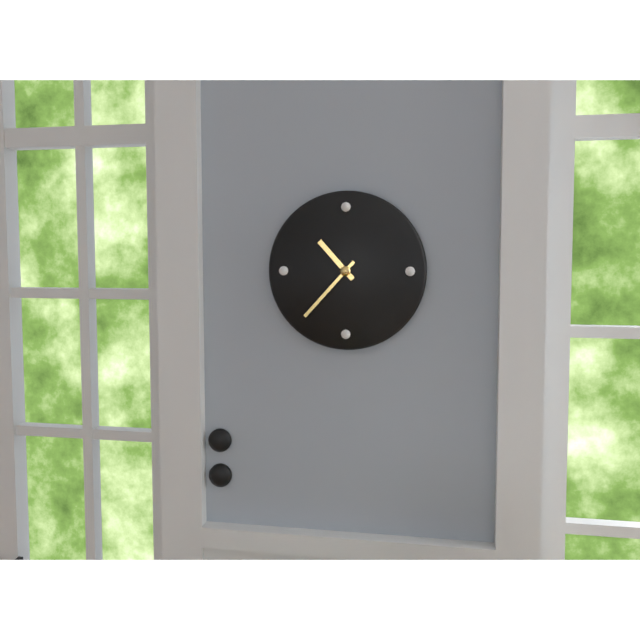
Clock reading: 10.37
